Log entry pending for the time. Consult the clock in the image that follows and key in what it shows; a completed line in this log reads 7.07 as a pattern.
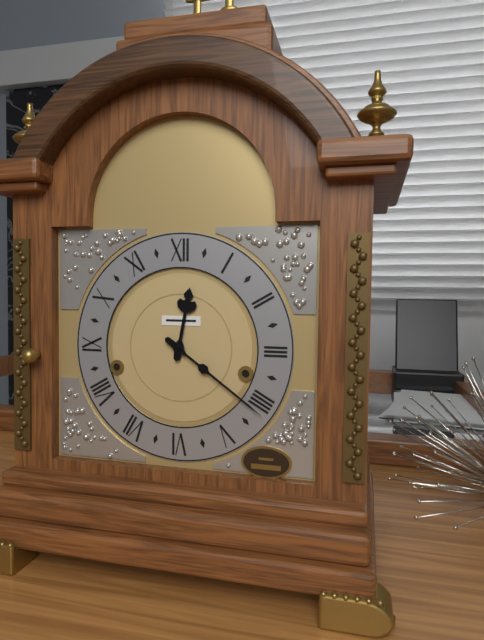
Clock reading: 12.21
